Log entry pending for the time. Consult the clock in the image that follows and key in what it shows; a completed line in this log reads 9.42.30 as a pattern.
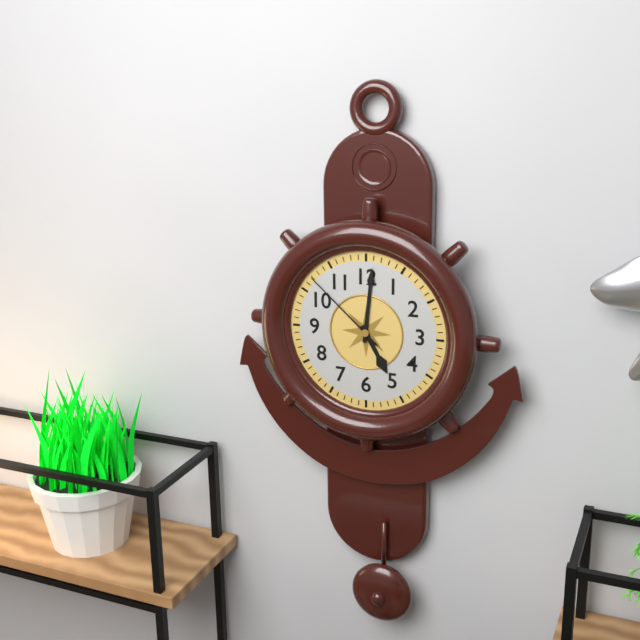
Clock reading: 5.01.52
